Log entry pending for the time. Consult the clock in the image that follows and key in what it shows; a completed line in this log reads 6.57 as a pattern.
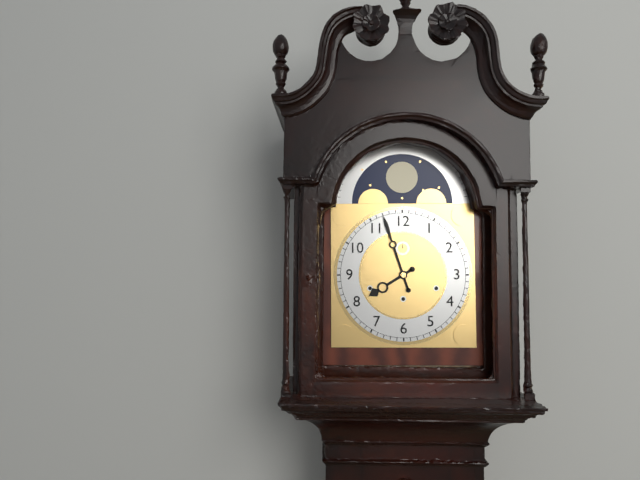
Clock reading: 7.57
